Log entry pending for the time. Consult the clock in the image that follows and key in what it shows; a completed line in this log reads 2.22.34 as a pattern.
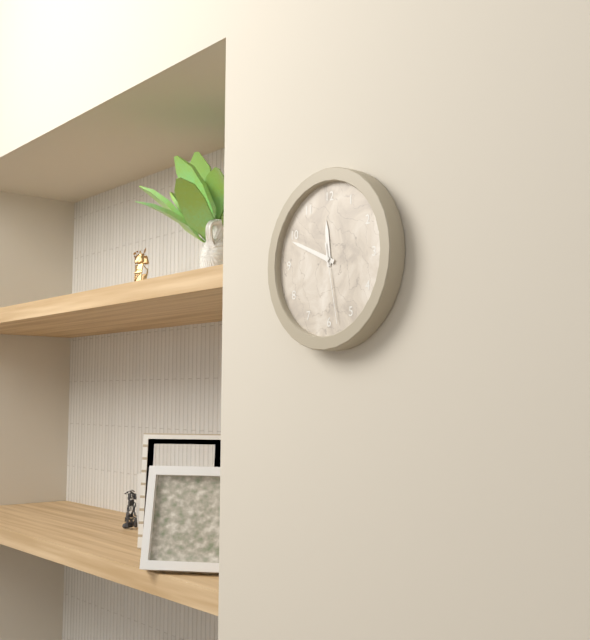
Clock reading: 11.49.28
